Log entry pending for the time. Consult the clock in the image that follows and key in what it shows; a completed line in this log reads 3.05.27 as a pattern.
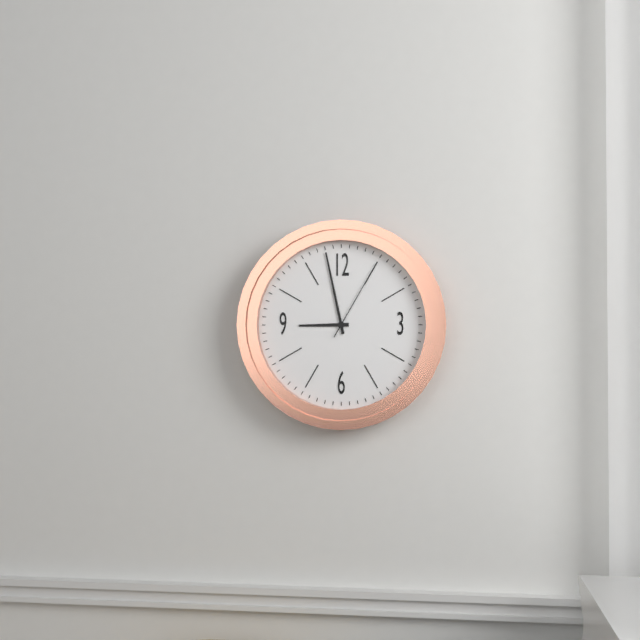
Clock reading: 8.58.05
